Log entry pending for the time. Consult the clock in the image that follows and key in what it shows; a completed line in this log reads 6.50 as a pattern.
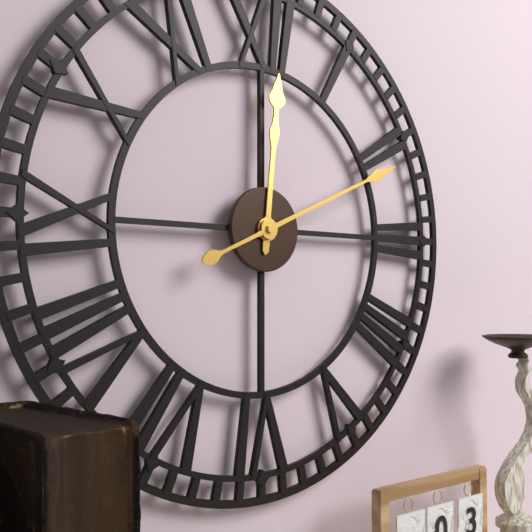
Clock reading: 12.11
